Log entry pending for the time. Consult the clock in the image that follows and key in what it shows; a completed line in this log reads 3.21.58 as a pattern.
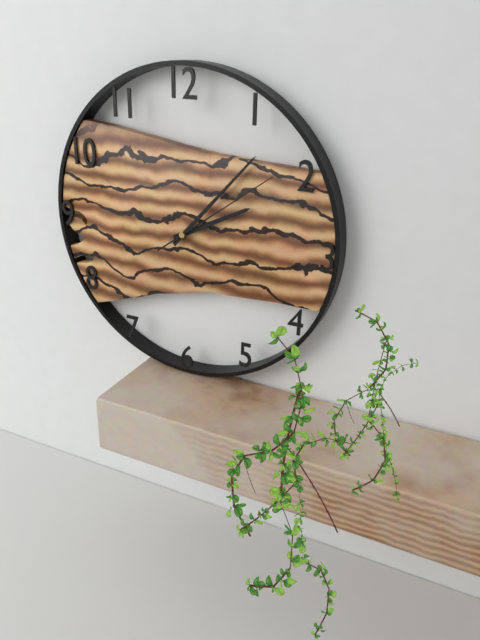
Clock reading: 2.07.09
